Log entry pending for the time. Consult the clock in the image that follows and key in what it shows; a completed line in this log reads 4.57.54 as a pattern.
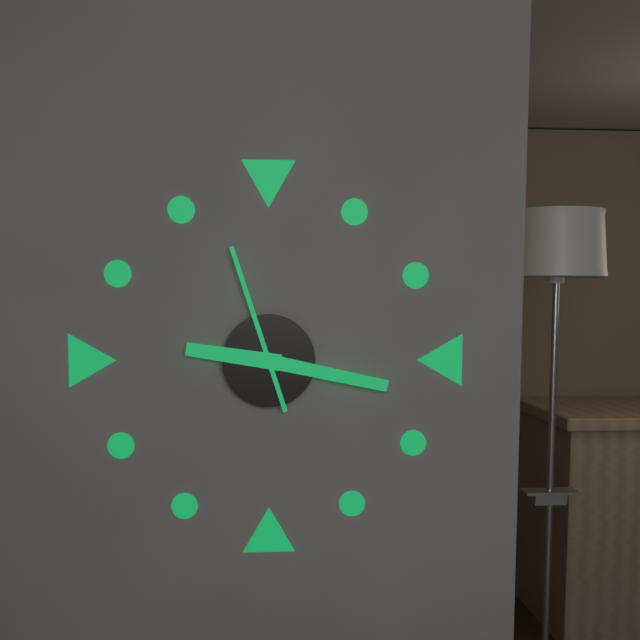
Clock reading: 9.17.57
